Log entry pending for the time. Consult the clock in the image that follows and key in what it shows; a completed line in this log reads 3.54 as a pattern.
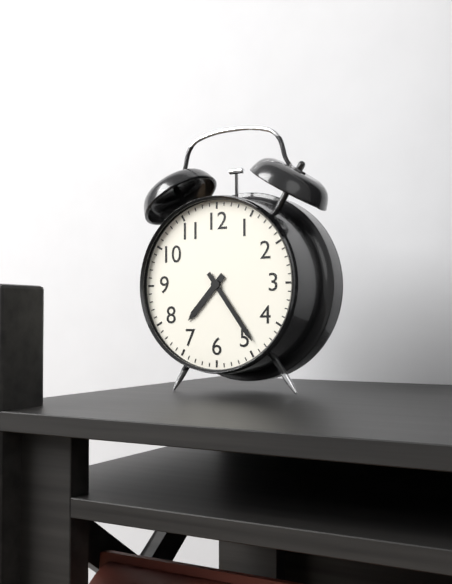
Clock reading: 7.24
